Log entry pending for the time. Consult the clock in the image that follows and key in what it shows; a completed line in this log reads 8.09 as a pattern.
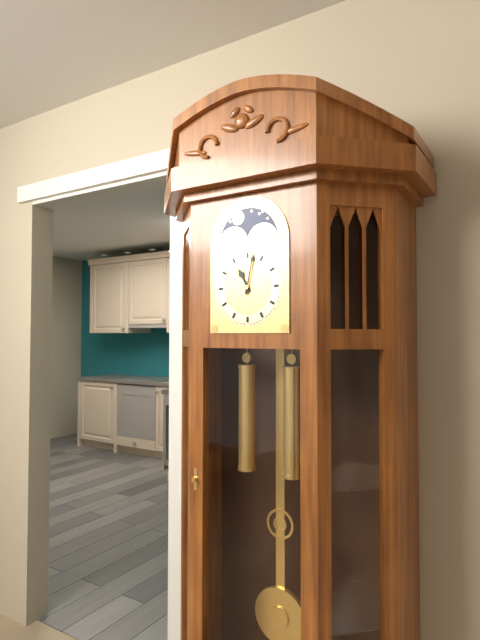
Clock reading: 11.02
